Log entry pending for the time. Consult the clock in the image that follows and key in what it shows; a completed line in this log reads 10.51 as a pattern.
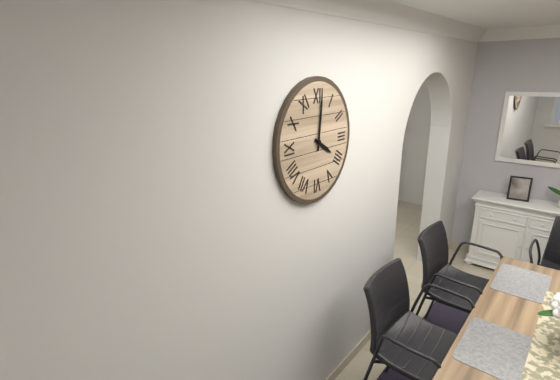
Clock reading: 4.01
